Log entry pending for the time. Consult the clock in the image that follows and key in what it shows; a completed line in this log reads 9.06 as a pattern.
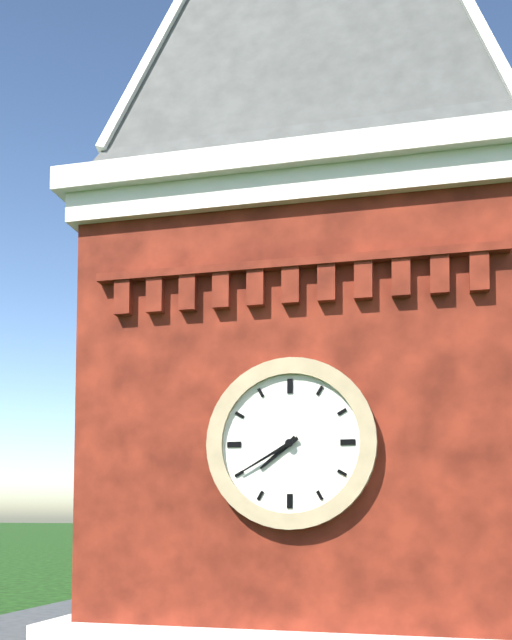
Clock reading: 7.40
